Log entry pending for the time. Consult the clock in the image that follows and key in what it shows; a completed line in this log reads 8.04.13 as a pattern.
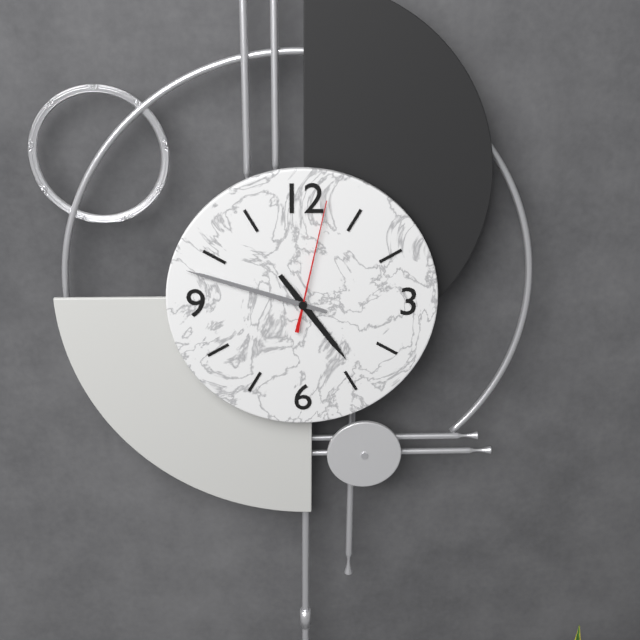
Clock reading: 4.48.02
